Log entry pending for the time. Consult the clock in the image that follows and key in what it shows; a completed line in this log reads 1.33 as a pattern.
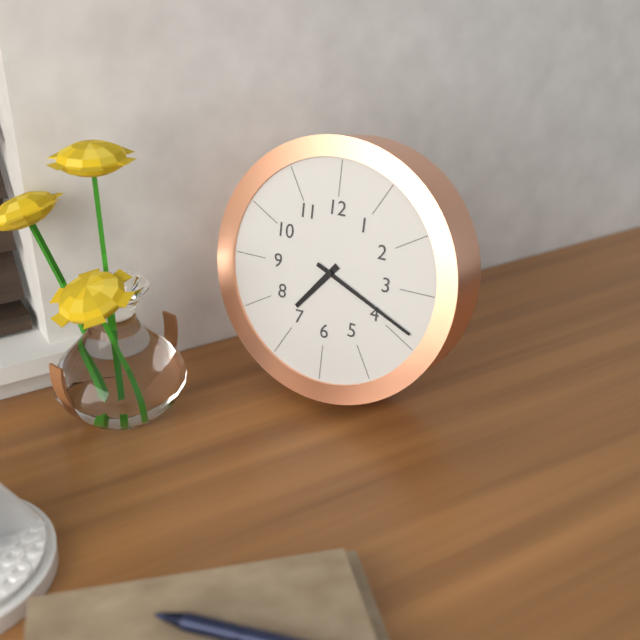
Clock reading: 7.19
